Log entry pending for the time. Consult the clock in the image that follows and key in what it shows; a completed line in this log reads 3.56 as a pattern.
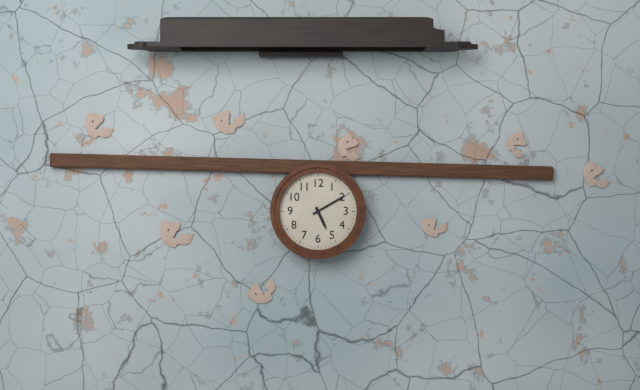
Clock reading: 5.10
